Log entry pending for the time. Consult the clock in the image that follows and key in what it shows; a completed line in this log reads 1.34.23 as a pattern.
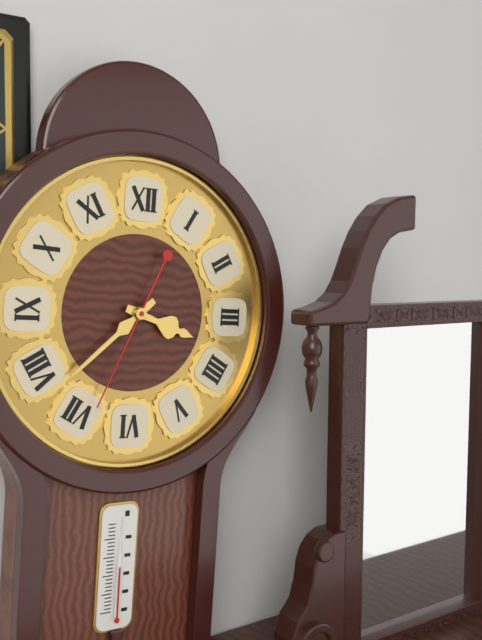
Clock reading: 3.38.34
